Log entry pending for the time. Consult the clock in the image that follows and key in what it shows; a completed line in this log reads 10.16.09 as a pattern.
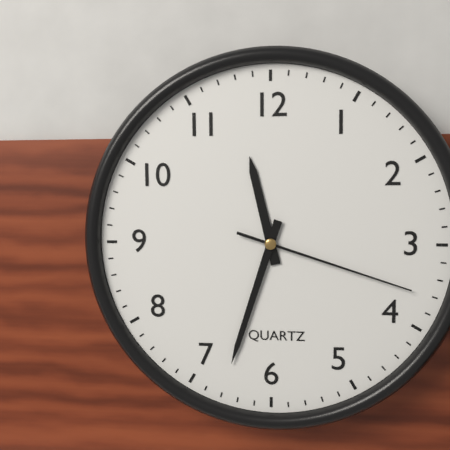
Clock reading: 11.33.18
